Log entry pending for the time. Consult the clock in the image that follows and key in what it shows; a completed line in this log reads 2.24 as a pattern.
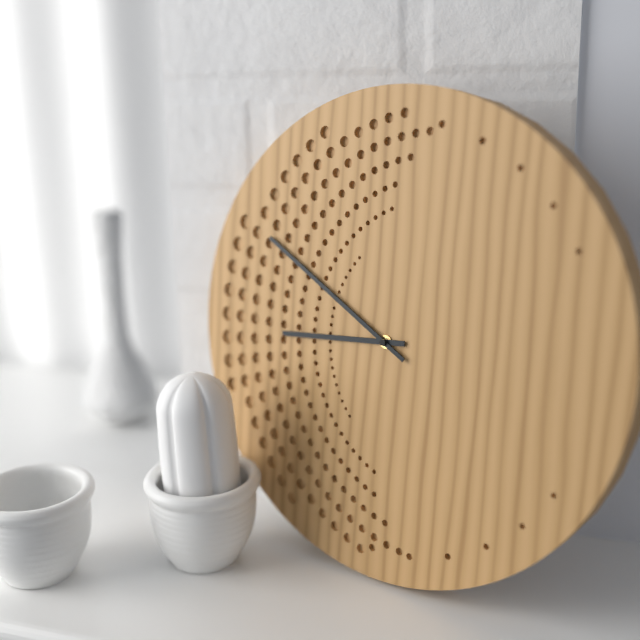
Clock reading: 8.50
